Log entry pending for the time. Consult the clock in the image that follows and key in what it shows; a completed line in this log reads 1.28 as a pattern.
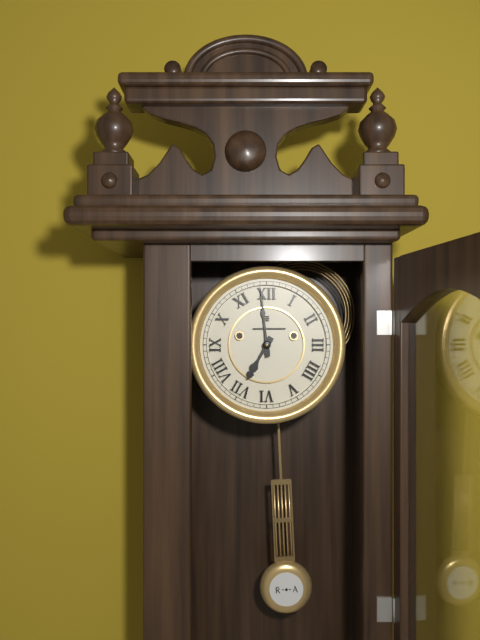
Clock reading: 6.59
